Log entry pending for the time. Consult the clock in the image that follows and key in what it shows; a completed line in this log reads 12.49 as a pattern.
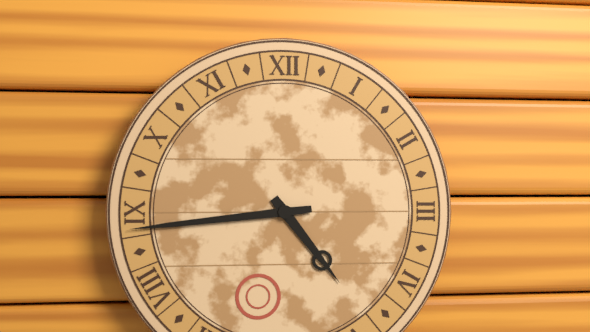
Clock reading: 4.44
